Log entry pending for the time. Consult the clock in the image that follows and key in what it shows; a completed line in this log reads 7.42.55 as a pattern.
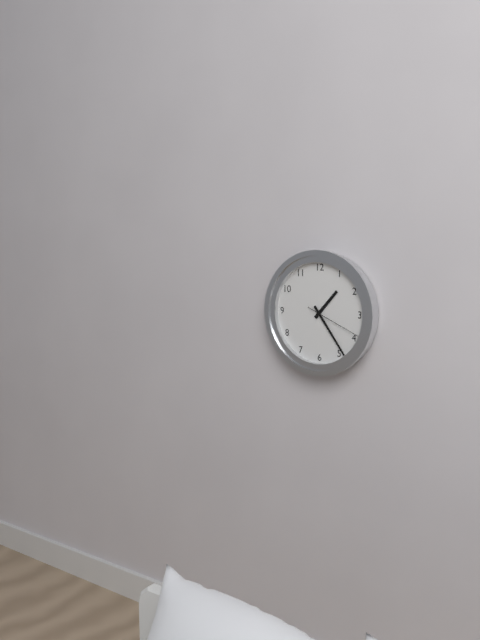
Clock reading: 1.24.19
